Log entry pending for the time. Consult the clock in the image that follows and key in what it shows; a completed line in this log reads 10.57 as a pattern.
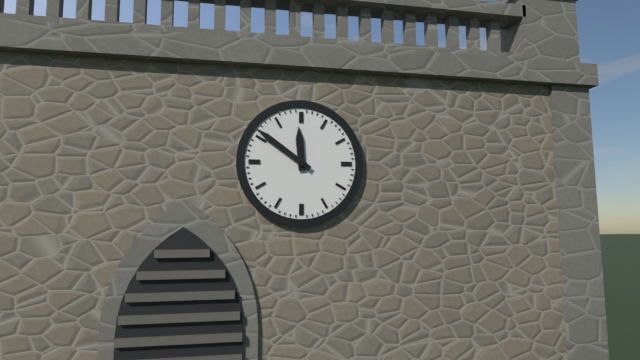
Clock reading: 11.51
